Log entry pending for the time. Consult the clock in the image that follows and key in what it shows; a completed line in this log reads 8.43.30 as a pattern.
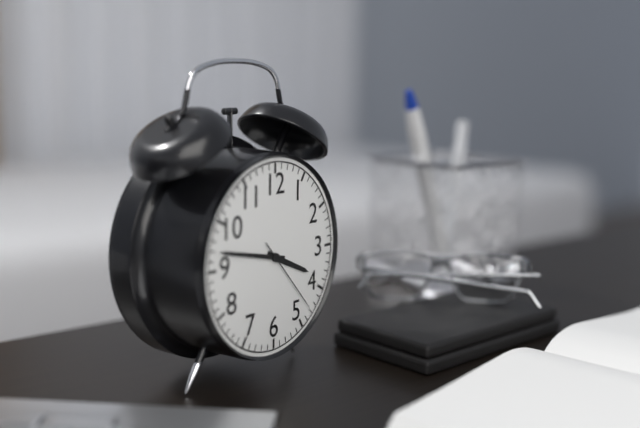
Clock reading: 3.47.23
